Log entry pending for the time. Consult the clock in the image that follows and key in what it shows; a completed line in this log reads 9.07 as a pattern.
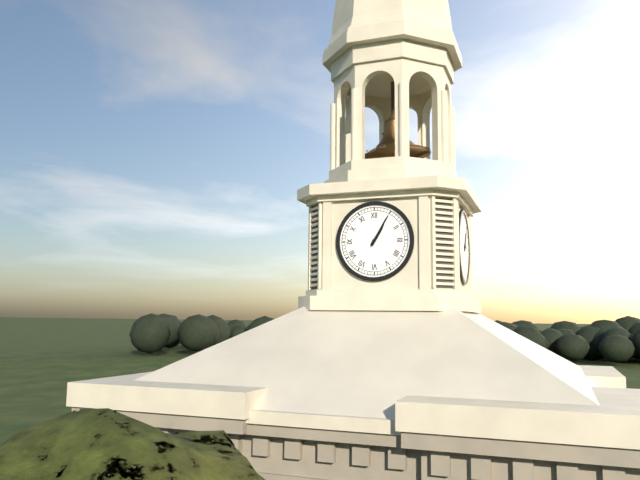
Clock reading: 1.05
